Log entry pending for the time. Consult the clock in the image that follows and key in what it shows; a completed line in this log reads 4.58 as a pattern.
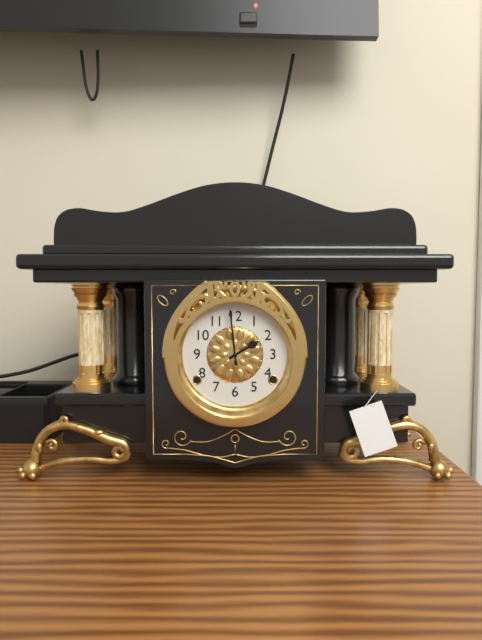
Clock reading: 1.59
